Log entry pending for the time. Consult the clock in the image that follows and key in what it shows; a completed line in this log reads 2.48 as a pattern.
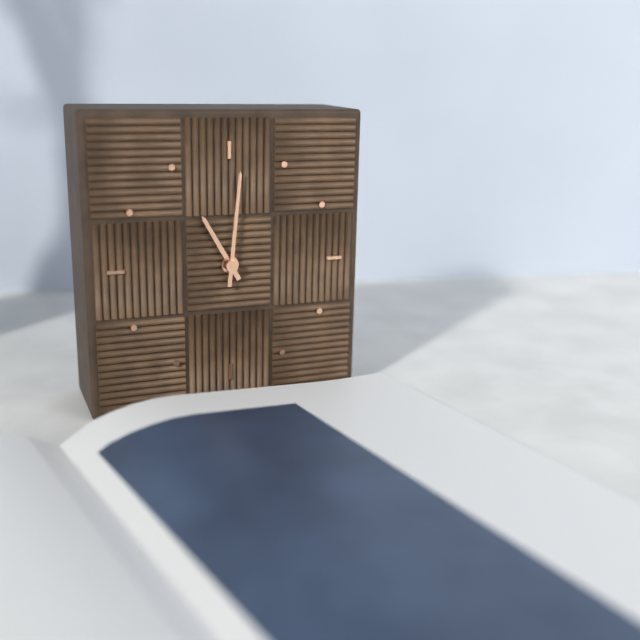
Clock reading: 11.01
